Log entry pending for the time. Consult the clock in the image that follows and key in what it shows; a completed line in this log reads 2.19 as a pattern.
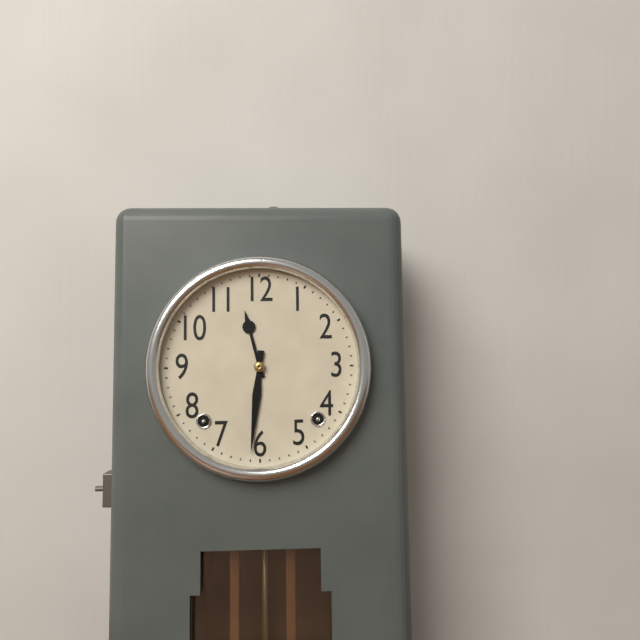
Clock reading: 11.31
